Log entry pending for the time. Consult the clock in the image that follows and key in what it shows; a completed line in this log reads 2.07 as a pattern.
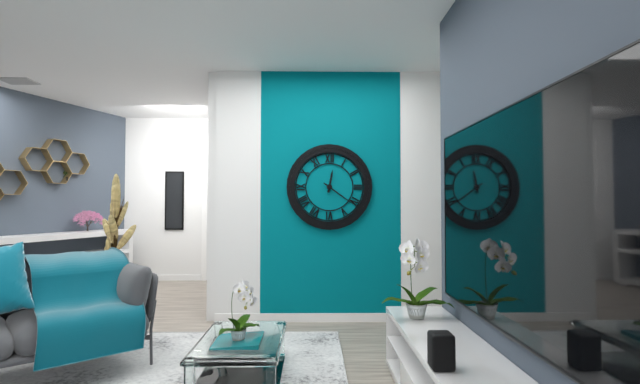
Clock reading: 12.21
